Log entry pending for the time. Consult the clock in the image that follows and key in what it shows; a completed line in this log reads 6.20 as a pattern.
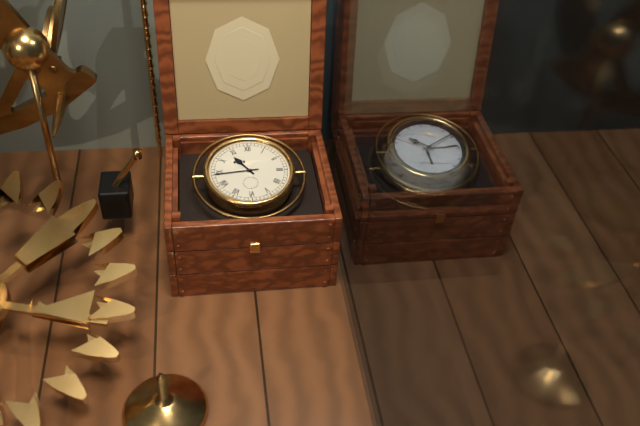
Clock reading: 10.44
